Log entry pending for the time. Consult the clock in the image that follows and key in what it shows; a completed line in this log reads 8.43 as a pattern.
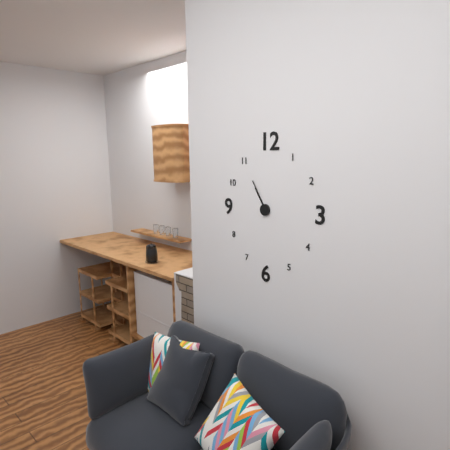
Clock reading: 10.55
